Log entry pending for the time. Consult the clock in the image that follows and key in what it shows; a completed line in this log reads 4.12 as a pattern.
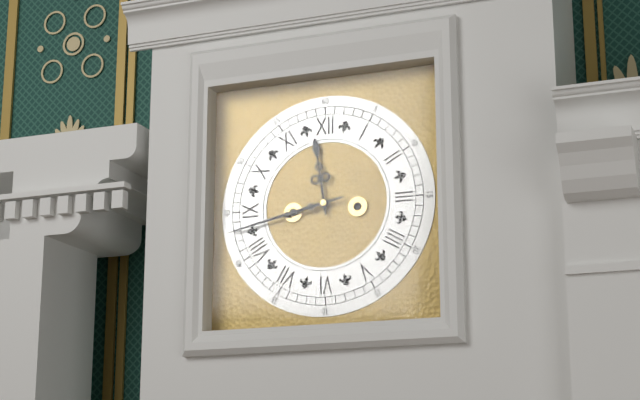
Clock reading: 11.43
